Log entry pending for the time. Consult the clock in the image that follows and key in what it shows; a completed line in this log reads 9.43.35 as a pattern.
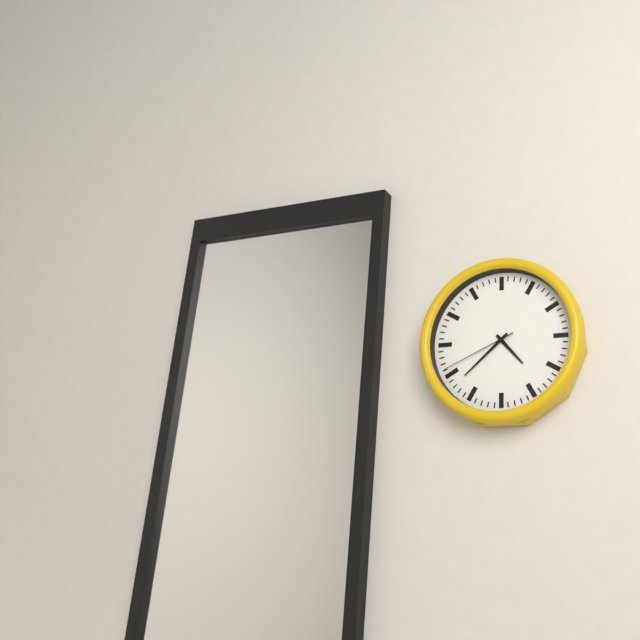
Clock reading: 4.38.41
